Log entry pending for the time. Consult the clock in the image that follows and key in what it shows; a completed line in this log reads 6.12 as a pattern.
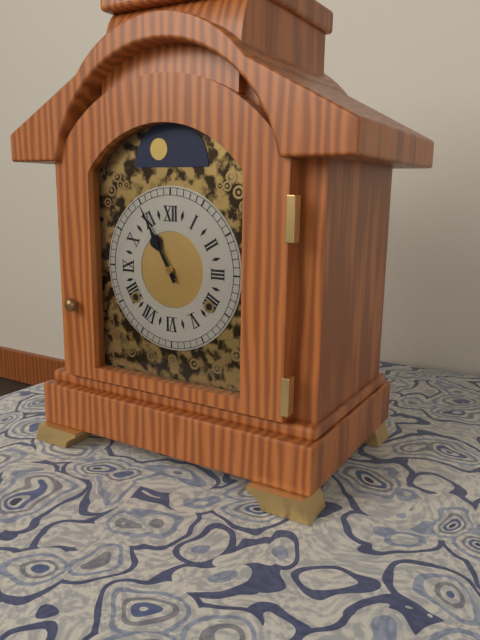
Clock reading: 10.55
